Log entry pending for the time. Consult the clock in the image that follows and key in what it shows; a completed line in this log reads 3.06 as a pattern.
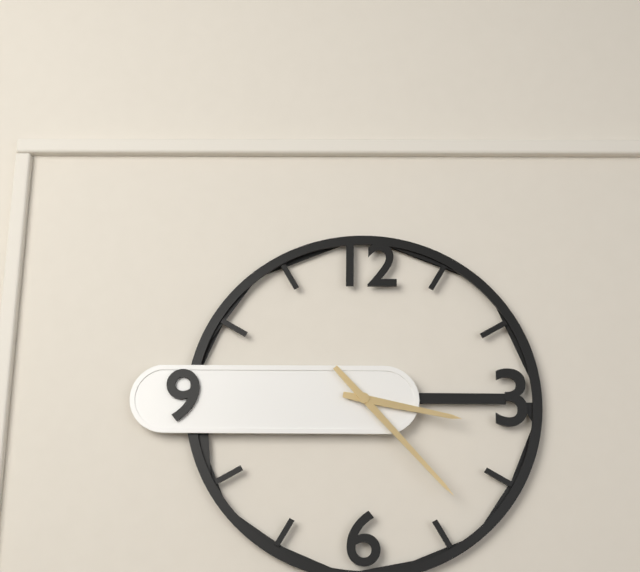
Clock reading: 3.23
